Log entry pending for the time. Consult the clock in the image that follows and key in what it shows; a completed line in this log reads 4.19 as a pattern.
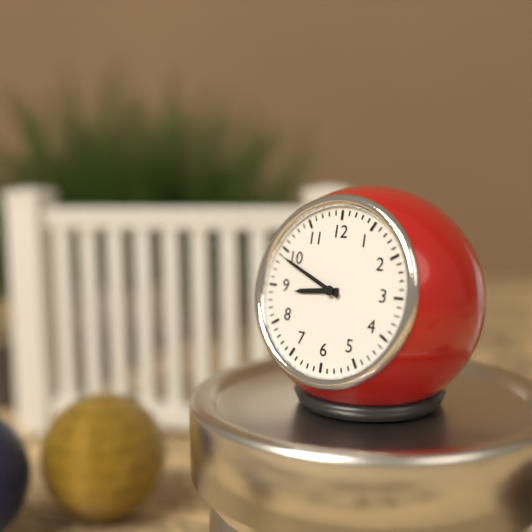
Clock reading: 8.49
